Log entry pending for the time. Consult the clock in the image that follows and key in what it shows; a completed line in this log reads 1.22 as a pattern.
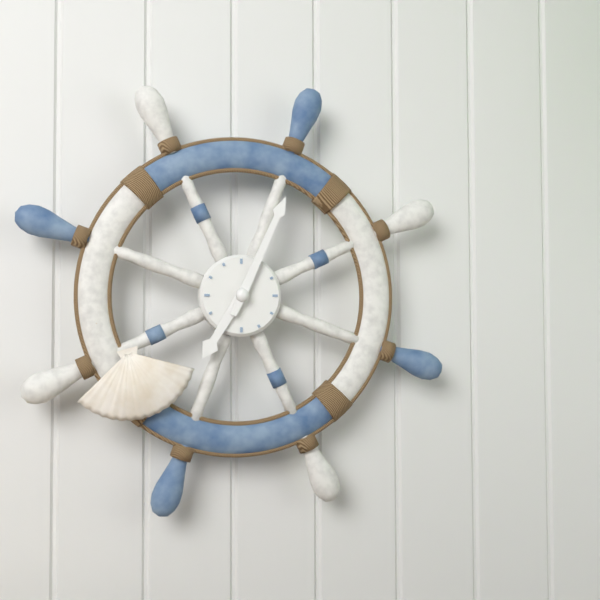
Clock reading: 7.04
